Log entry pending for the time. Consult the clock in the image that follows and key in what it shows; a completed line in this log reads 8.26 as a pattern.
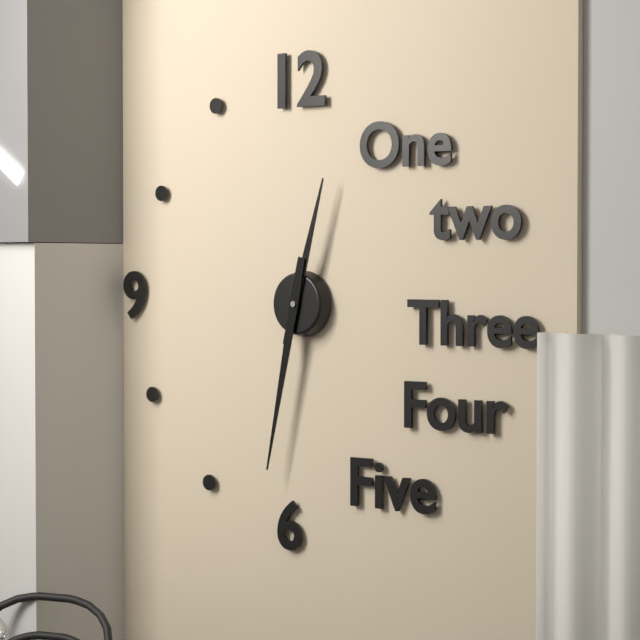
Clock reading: 12.32
